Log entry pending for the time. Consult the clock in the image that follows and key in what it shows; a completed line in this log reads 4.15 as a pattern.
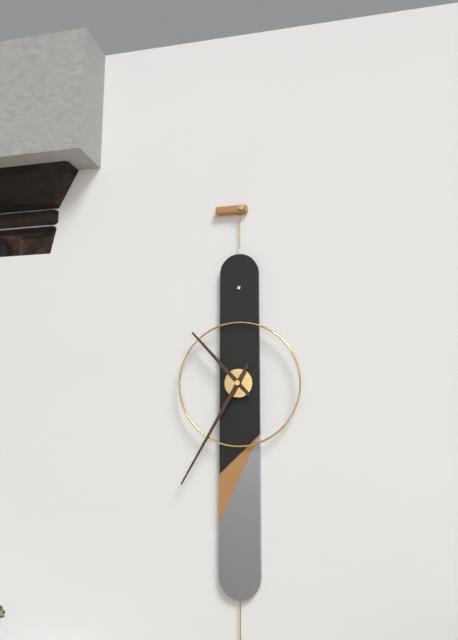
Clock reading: 10.35
